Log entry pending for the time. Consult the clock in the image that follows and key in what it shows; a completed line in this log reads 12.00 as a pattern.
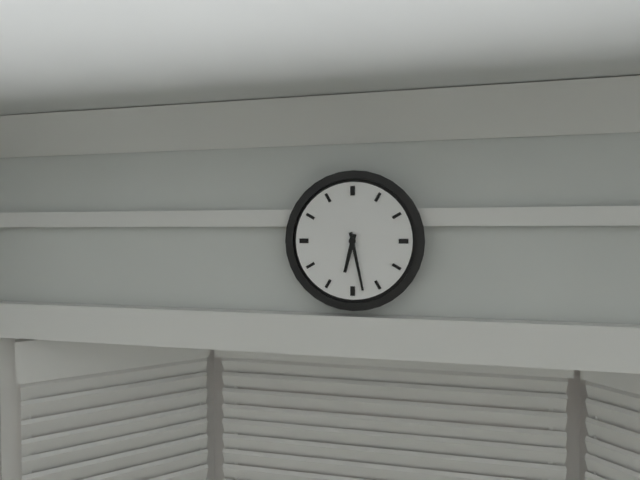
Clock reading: 6.28
